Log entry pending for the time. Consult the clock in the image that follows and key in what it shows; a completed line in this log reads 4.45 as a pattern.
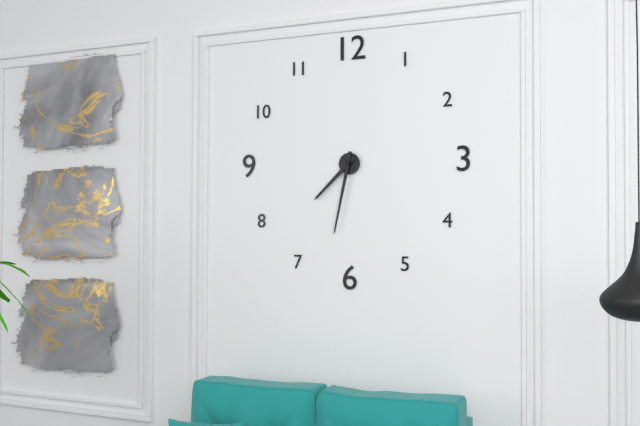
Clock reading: 7.32
